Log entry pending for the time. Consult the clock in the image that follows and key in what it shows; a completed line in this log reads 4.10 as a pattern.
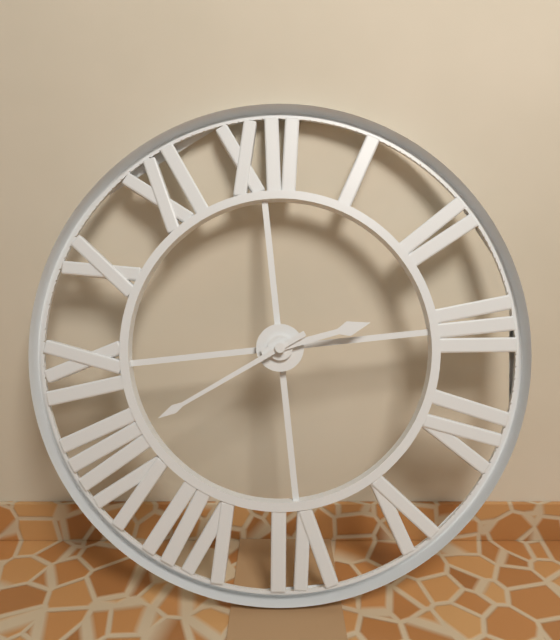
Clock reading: 2.41
